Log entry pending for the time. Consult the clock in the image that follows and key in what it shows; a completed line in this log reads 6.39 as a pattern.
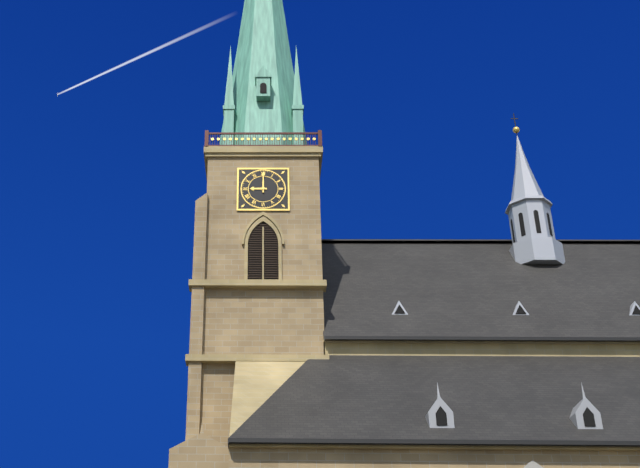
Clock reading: 9.00
